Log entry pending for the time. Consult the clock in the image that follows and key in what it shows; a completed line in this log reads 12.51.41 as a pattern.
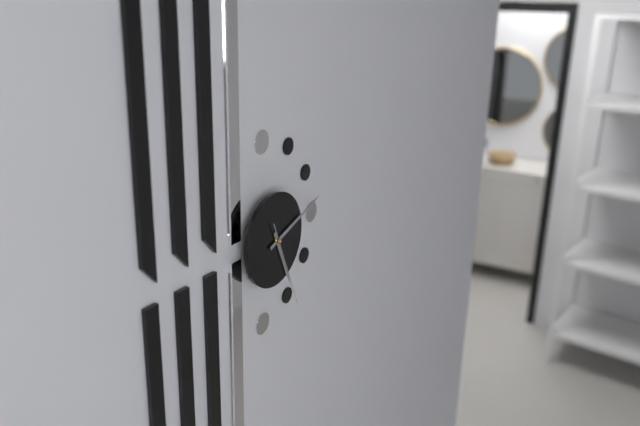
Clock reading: 5.12.26
